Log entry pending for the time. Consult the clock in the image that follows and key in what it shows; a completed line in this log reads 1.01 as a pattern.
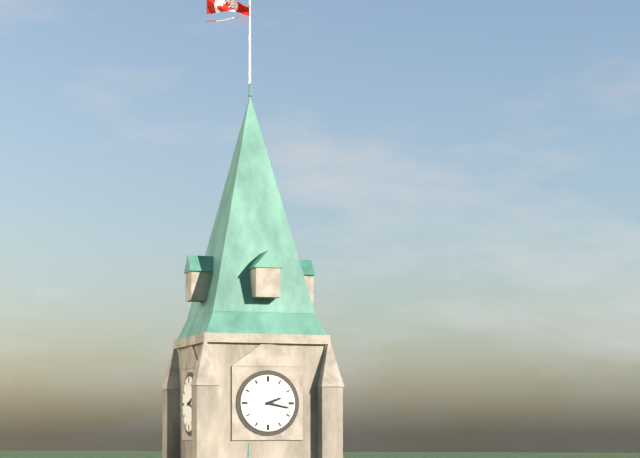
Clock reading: 2.17
